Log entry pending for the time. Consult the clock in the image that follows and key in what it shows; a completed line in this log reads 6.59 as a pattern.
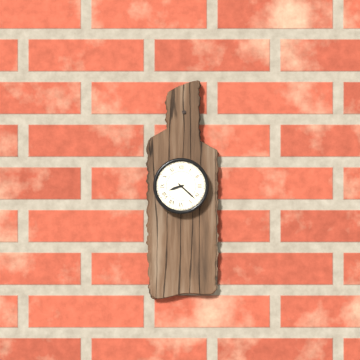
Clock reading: 8.22
